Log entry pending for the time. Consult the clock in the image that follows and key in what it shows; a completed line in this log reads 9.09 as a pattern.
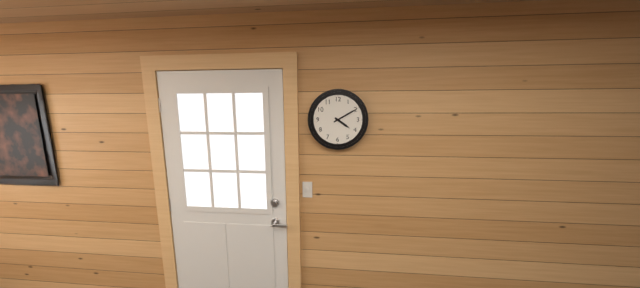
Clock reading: 4.10
